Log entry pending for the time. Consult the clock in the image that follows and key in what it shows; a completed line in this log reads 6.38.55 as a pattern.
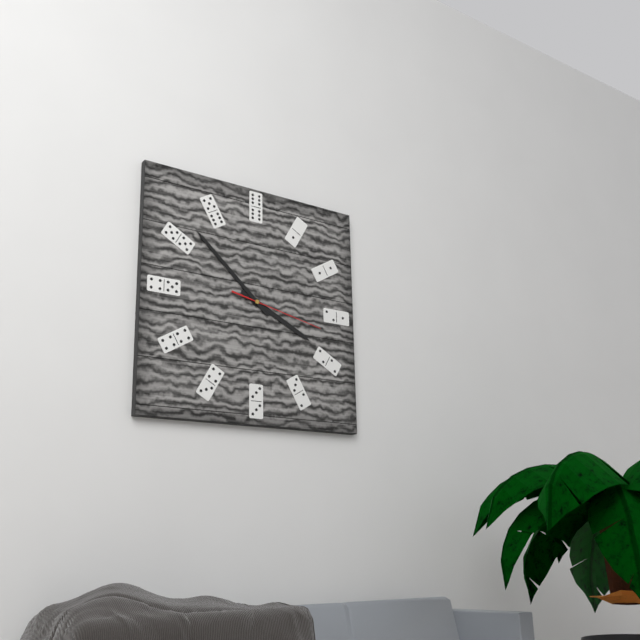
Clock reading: 3.52.17
